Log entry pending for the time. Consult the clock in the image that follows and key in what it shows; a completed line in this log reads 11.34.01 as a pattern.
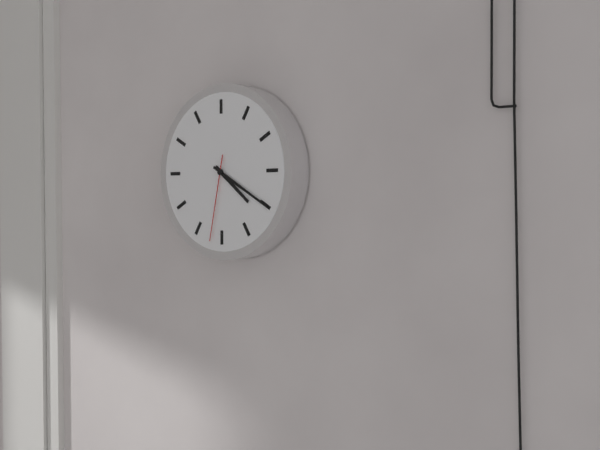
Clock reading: 4.20.32
